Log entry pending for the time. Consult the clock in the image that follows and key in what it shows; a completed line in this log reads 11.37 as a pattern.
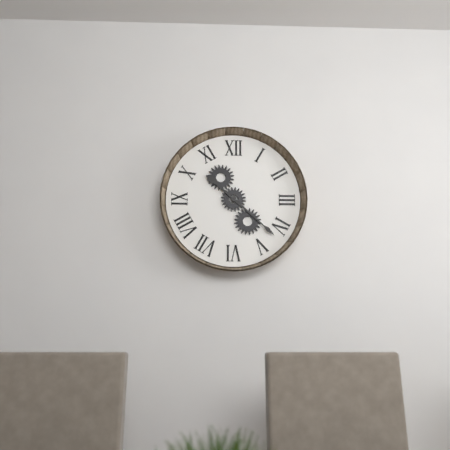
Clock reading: 10.22
